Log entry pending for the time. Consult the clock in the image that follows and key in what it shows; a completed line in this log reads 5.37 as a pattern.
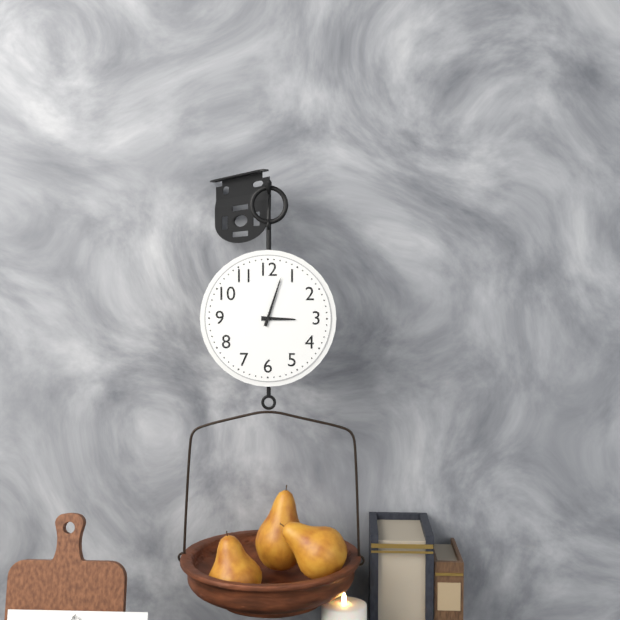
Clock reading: 3.03
